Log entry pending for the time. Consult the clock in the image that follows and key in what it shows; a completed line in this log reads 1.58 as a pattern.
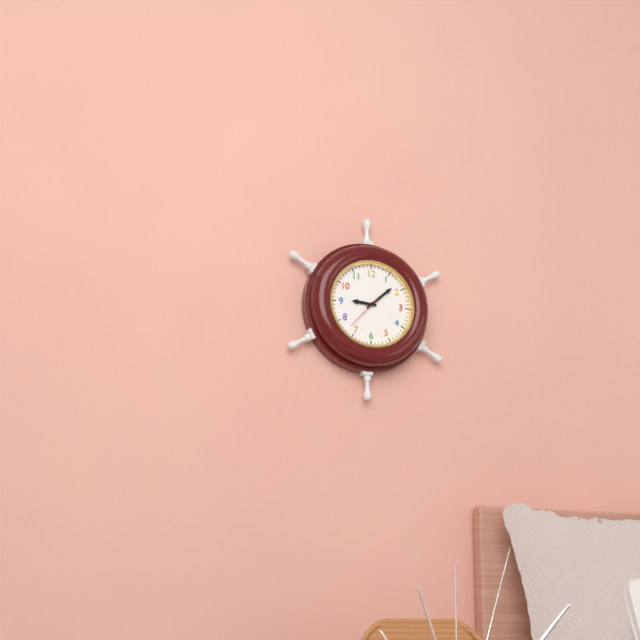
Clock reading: 9.08
